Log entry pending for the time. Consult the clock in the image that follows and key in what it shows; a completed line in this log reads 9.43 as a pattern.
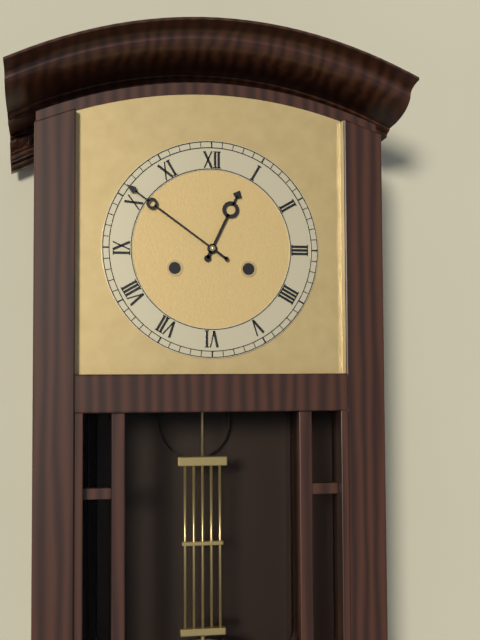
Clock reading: 12.51
